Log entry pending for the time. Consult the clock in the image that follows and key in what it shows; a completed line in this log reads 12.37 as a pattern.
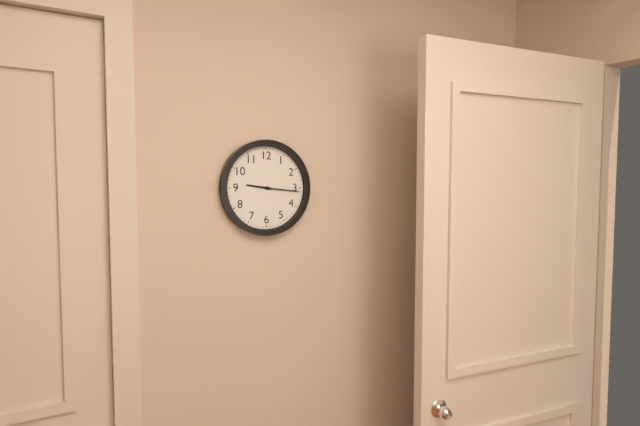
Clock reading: 9.16
